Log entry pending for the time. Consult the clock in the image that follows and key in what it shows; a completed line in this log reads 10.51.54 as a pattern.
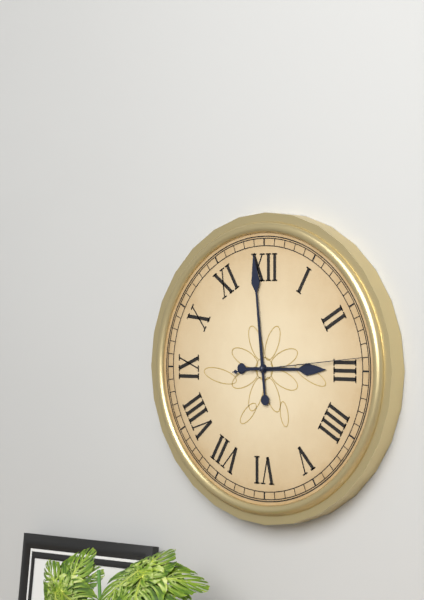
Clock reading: 2.59.14
